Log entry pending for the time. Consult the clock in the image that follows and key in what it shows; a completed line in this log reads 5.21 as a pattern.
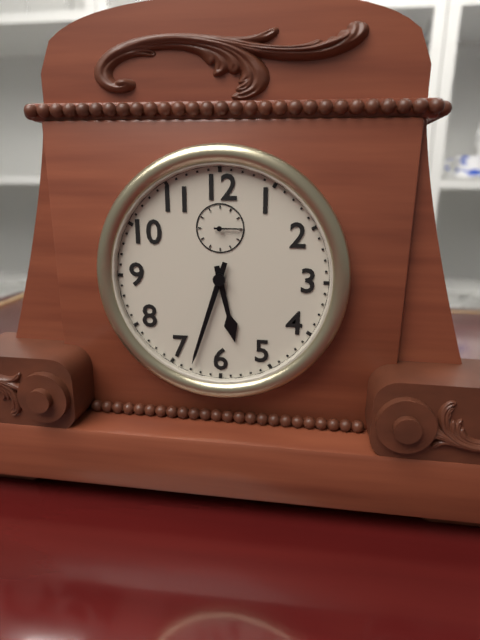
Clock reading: 5.33
